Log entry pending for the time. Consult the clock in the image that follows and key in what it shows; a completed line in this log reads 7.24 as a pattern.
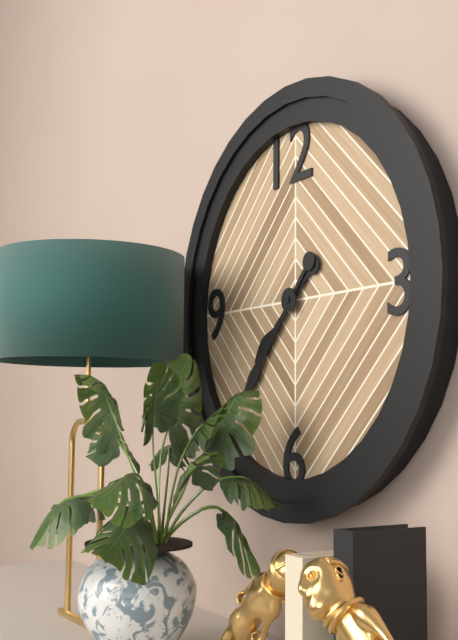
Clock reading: 7.37
